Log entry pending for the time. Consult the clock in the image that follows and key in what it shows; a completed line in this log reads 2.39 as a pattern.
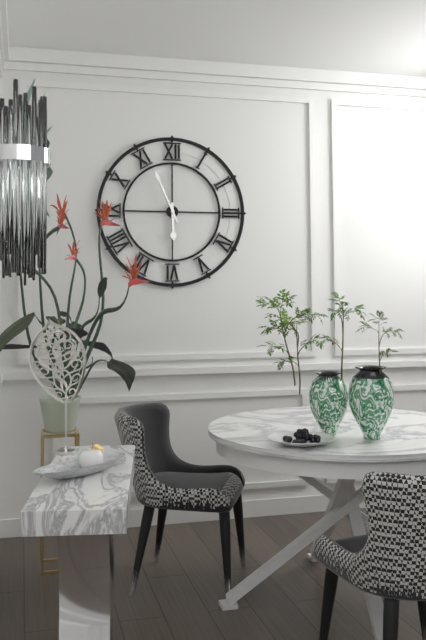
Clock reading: 5.56
